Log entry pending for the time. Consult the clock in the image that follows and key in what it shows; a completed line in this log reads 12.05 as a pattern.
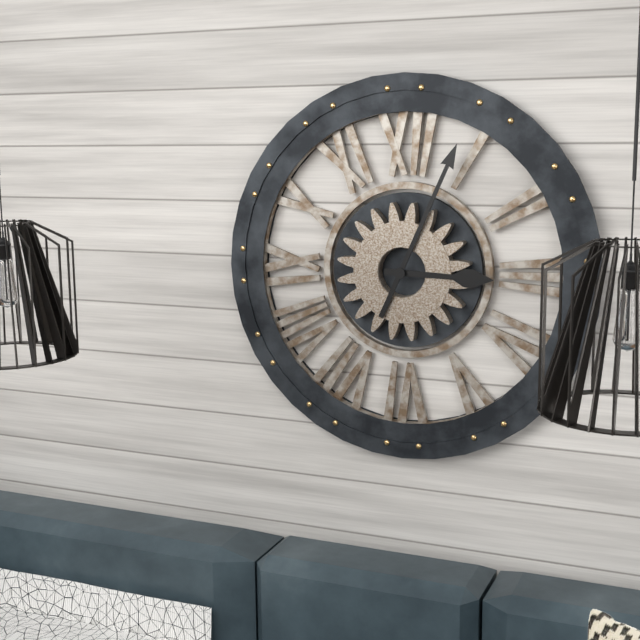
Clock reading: 3.04
